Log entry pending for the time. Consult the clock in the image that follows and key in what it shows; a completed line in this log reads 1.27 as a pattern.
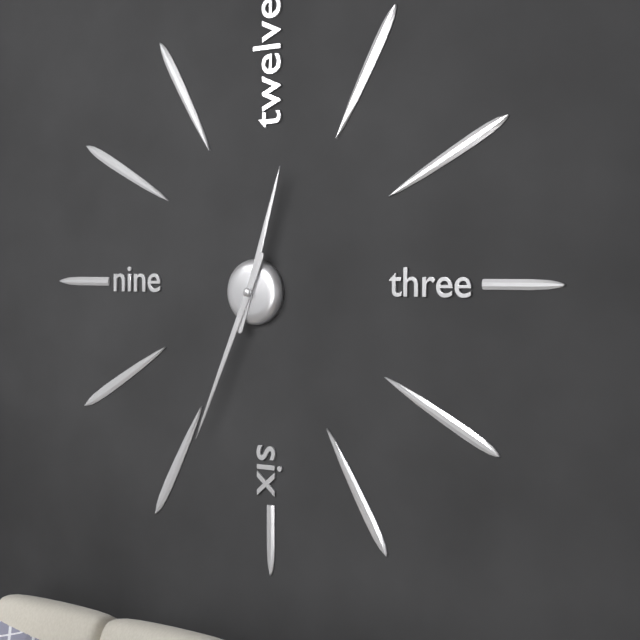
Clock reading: 12.34
